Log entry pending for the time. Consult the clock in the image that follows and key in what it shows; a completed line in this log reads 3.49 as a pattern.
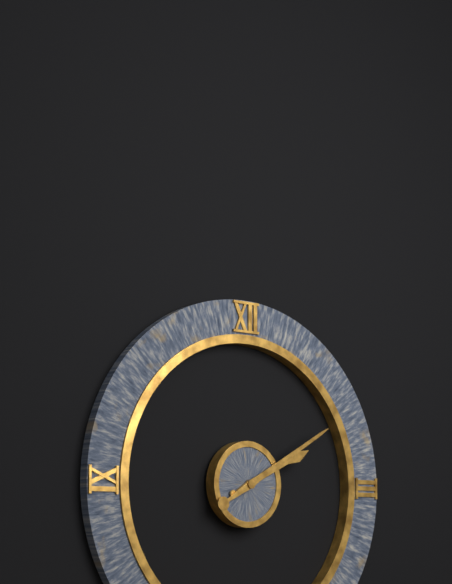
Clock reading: 2.10
